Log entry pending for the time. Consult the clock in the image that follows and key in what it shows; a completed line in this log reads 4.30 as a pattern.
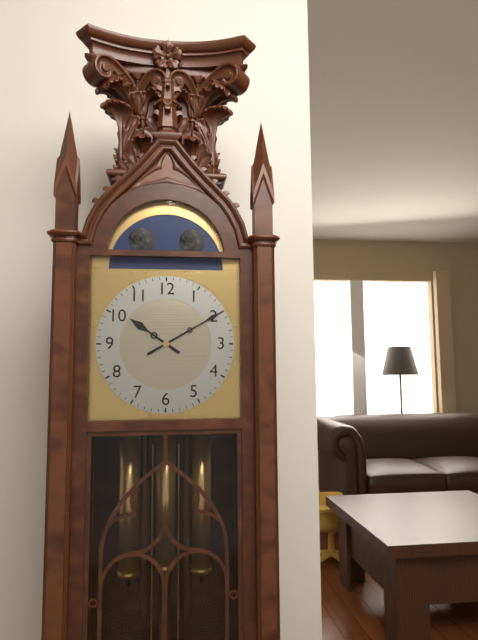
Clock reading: 10.10
